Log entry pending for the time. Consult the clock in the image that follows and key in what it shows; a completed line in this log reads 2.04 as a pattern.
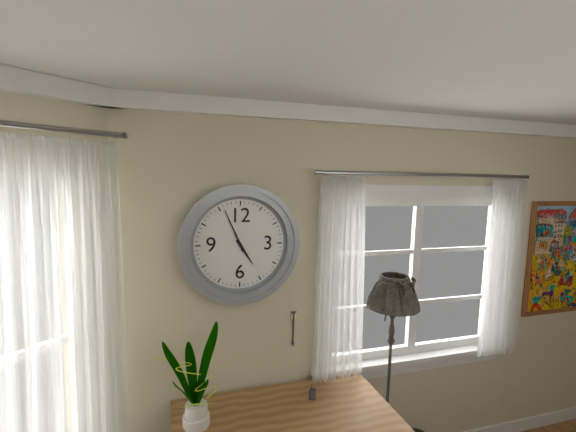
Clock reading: 4.56
